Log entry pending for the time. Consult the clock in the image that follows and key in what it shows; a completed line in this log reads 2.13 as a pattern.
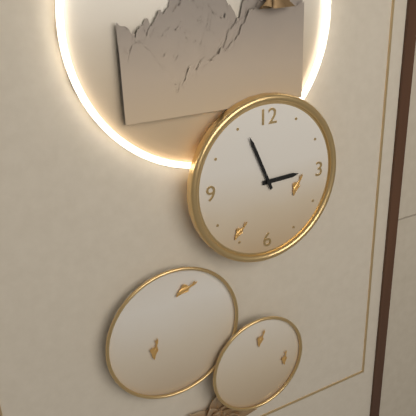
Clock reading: 2.56
